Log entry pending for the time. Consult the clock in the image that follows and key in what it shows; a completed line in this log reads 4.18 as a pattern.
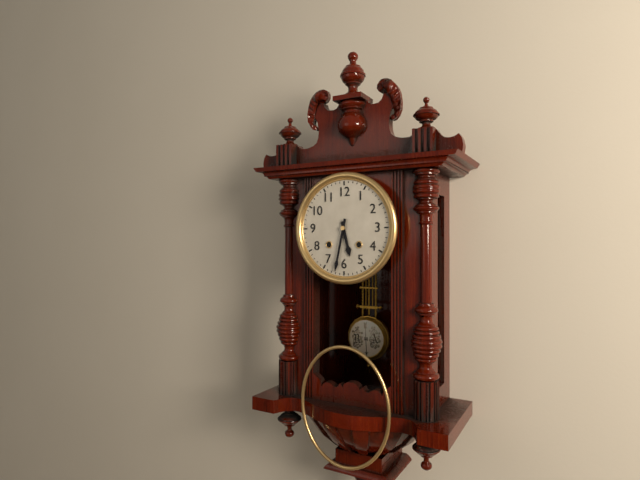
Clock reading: 5.32
